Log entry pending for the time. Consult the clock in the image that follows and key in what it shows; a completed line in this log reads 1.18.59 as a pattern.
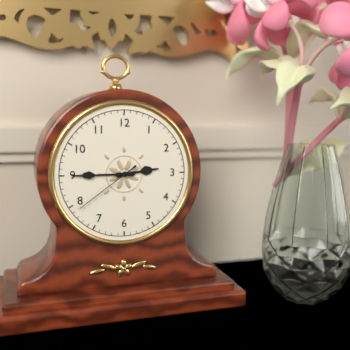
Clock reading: 2.45.39
